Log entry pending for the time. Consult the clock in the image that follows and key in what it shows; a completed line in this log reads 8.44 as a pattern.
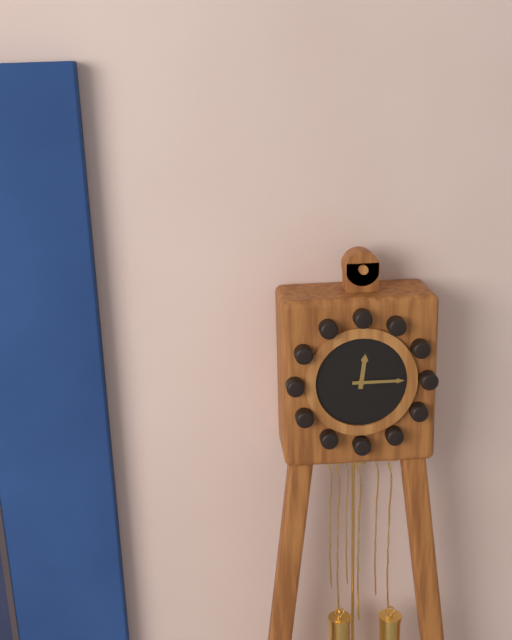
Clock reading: 12.15
